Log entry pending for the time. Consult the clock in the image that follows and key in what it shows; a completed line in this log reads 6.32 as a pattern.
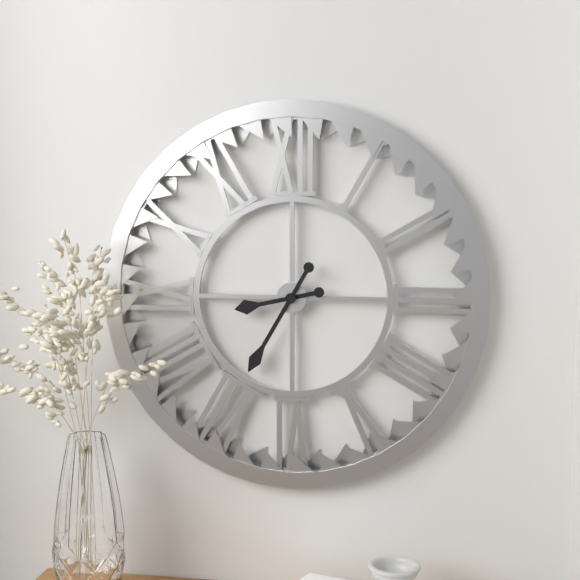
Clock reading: 8.35
